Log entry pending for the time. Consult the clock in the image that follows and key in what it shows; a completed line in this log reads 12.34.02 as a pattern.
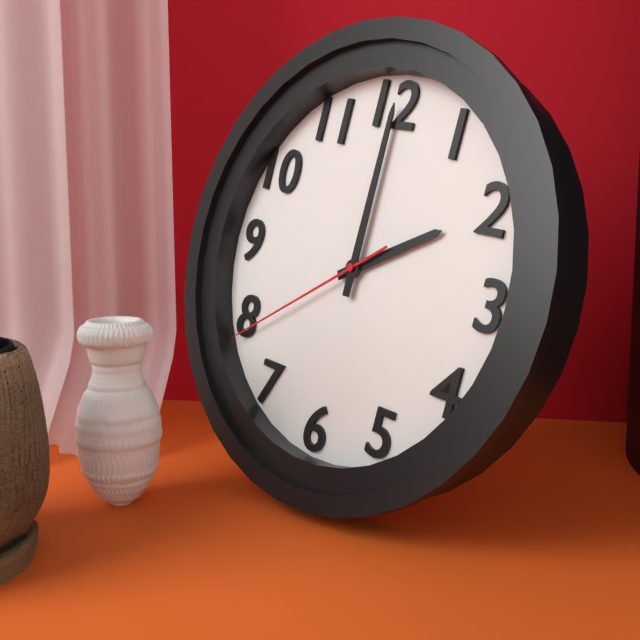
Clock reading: 2.00.39
